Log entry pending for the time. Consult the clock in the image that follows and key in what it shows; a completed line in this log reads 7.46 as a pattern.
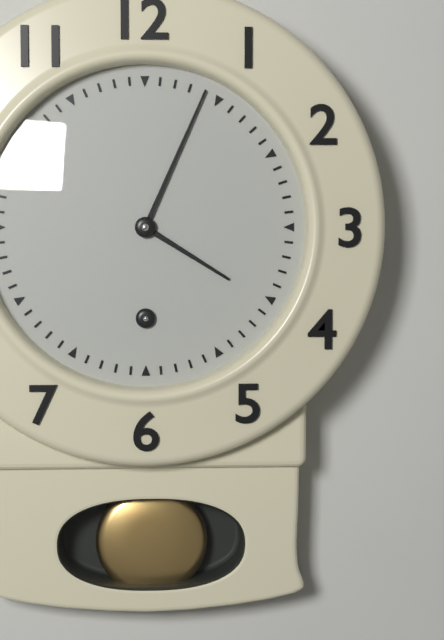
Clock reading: 4.04
